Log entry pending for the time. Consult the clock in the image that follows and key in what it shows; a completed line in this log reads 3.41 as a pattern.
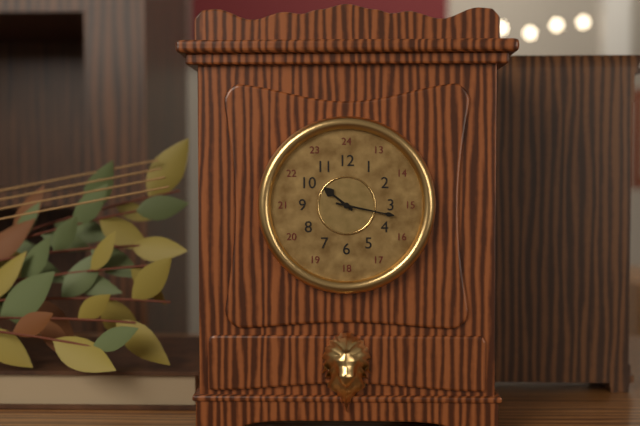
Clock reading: 10.17
